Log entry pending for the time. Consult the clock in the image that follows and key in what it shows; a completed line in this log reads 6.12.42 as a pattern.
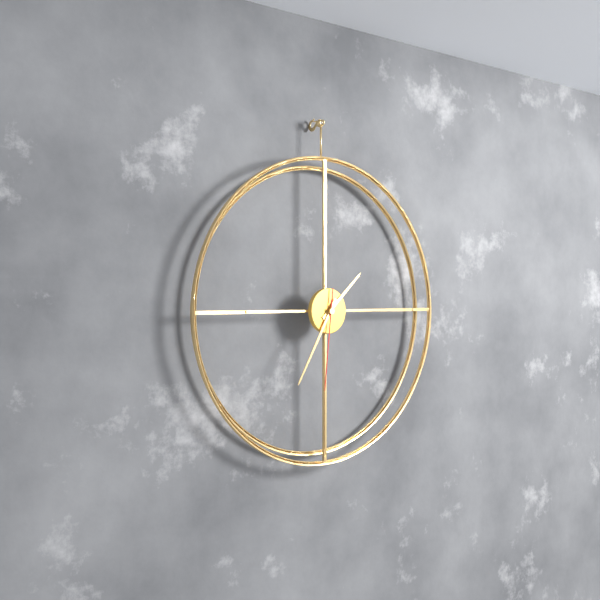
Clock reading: 1.35.31
